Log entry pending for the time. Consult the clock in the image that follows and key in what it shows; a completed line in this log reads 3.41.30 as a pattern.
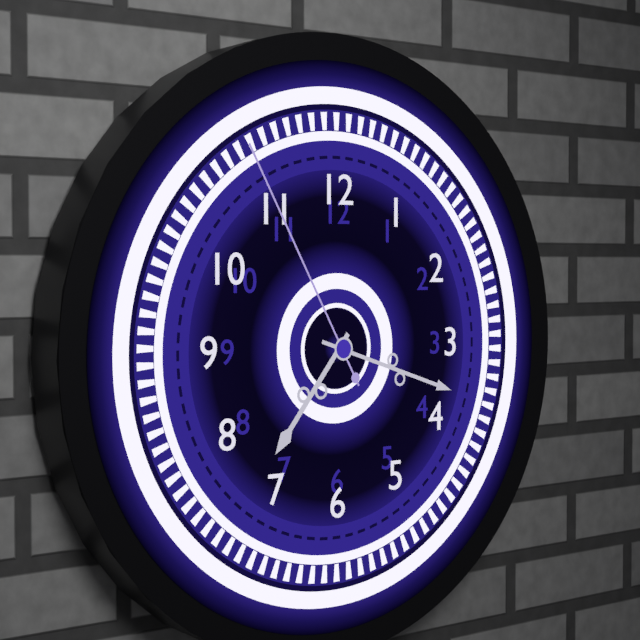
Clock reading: 7.18.55
